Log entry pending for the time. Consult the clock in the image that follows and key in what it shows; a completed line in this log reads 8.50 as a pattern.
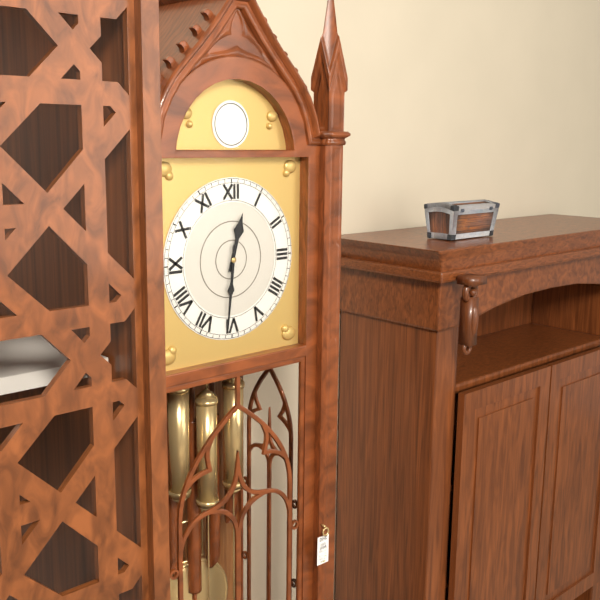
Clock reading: 12.31
